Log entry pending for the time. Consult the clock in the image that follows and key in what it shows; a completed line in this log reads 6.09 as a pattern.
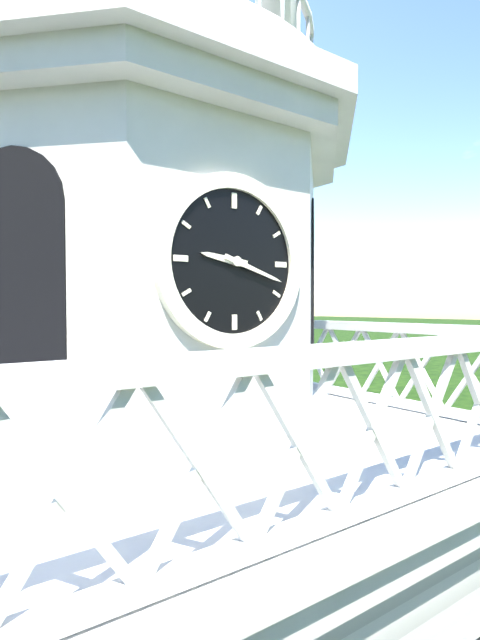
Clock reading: 9.18
